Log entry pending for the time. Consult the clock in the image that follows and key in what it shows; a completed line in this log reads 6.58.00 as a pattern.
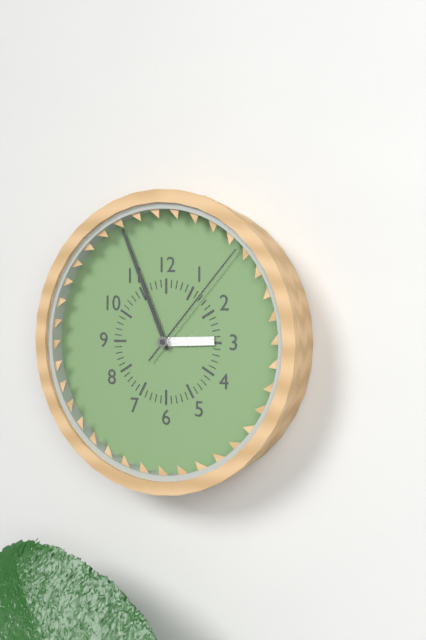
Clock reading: 2.56.07
